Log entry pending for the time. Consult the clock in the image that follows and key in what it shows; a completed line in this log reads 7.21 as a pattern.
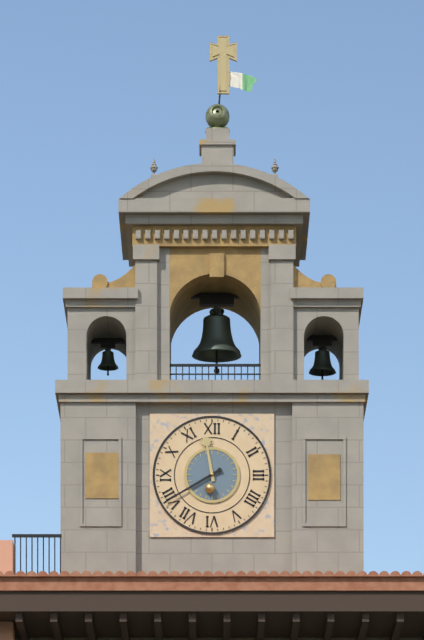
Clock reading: 11.40
